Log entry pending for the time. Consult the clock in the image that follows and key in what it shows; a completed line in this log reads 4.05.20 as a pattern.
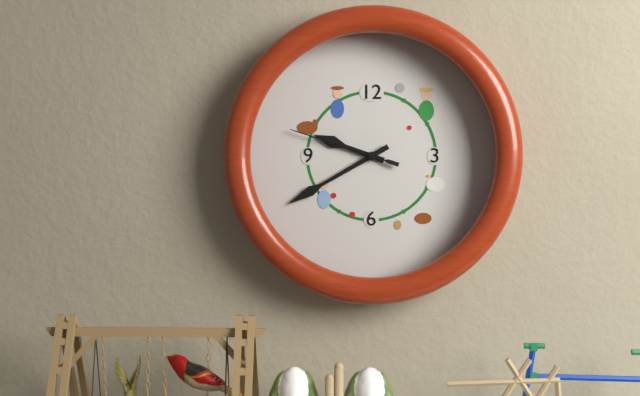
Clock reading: 9.40.48
